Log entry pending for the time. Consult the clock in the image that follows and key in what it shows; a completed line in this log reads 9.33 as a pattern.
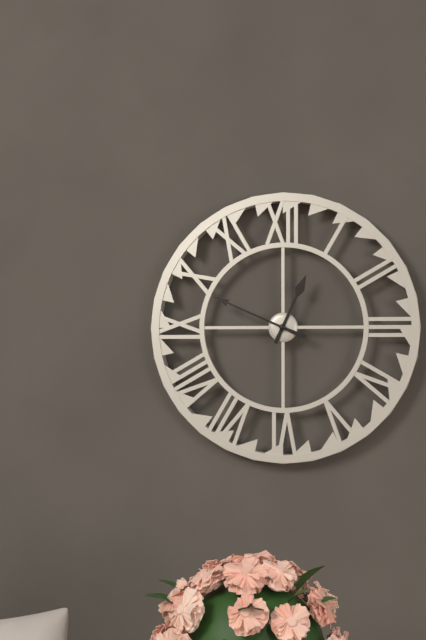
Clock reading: 12.49
